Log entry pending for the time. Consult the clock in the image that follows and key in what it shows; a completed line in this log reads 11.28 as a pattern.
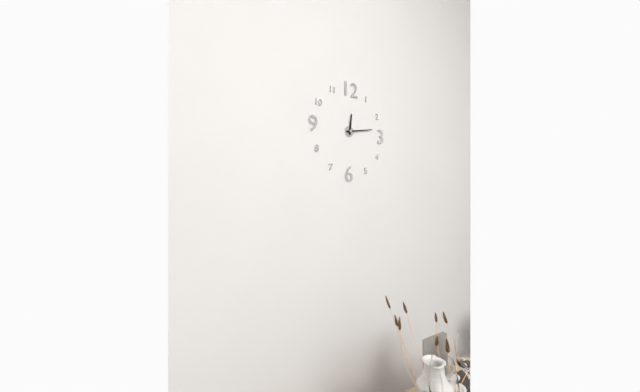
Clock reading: 12.13
